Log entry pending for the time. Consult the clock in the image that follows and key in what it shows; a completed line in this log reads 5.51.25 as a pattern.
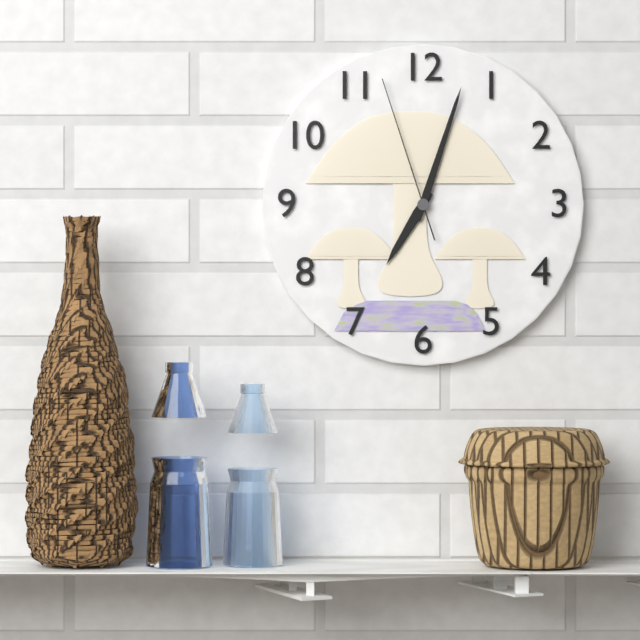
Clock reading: 7.03.57
